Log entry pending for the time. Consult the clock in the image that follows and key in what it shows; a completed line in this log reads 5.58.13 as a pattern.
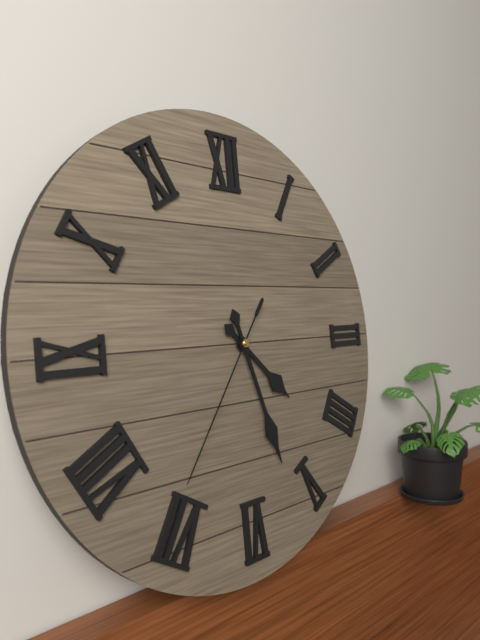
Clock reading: 4.27.36
